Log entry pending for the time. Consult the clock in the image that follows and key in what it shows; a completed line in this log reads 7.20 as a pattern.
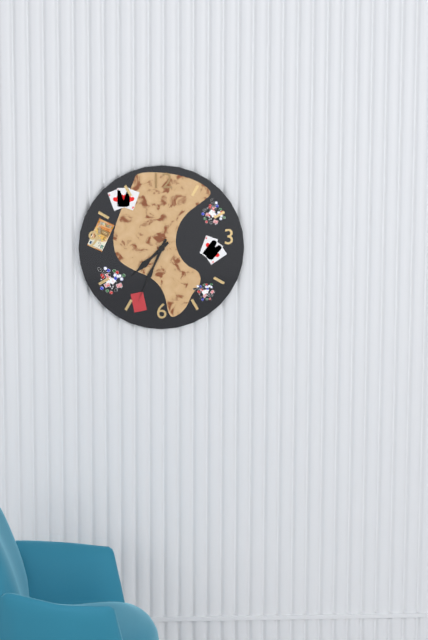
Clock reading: 7.34
